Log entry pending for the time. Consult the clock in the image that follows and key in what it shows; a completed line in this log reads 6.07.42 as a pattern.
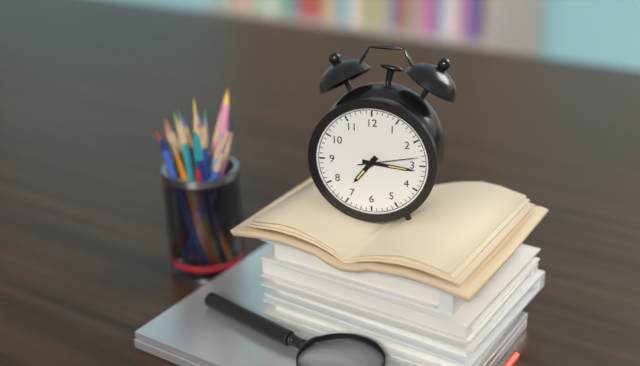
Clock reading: 7.16.13
